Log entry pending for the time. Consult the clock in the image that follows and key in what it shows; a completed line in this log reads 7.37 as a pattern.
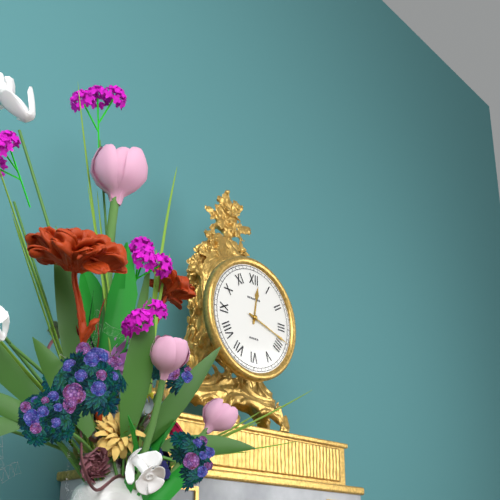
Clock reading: 12.18
